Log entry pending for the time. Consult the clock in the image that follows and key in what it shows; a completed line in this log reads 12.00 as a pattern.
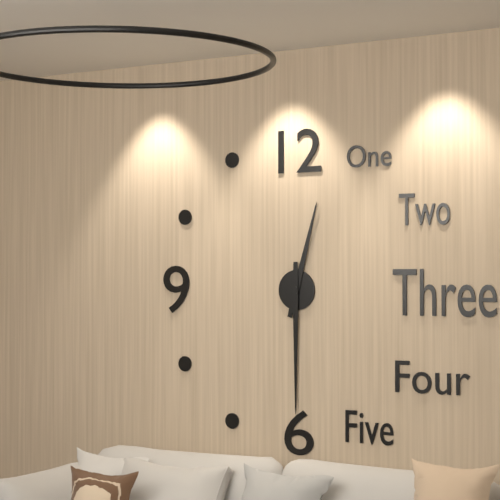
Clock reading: 12.30
